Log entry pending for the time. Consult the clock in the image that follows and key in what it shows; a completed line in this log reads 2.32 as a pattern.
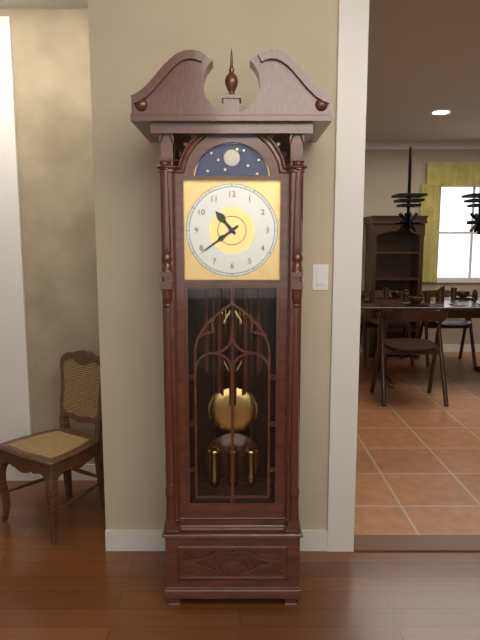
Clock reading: 10.39
